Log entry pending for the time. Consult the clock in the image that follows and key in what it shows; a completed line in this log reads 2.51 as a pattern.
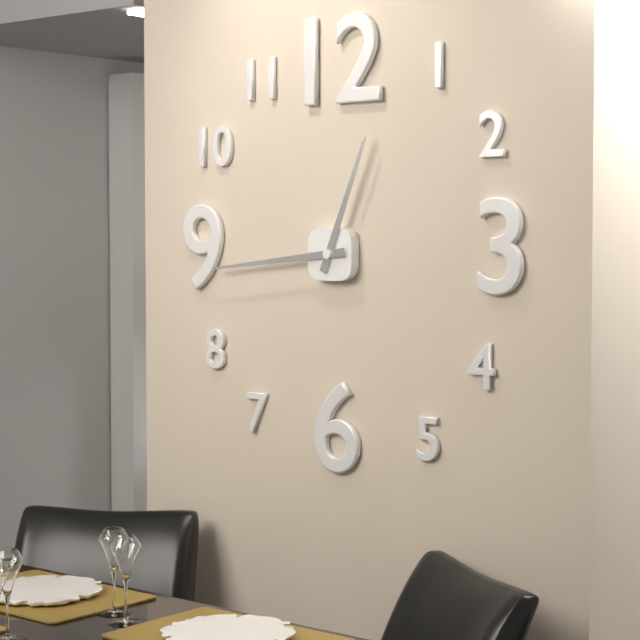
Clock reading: 12.44
